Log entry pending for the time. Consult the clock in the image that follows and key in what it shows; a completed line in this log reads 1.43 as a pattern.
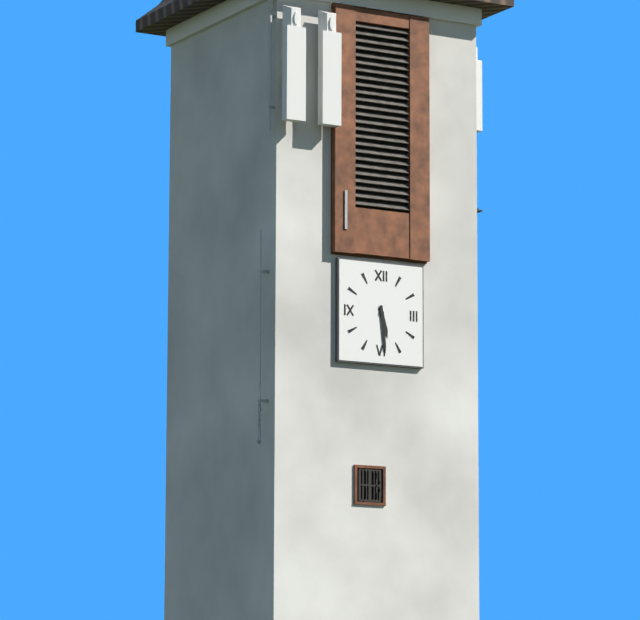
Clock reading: 5.29
